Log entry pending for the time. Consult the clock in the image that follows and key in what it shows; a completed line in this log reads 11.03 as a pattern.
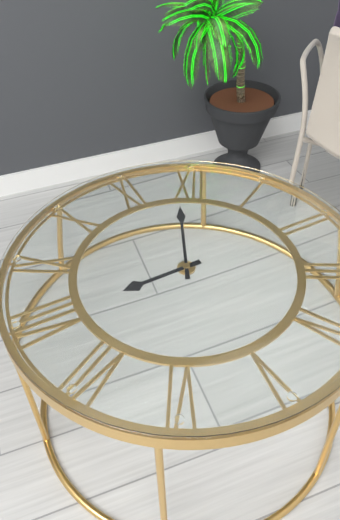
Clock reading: 7.59
